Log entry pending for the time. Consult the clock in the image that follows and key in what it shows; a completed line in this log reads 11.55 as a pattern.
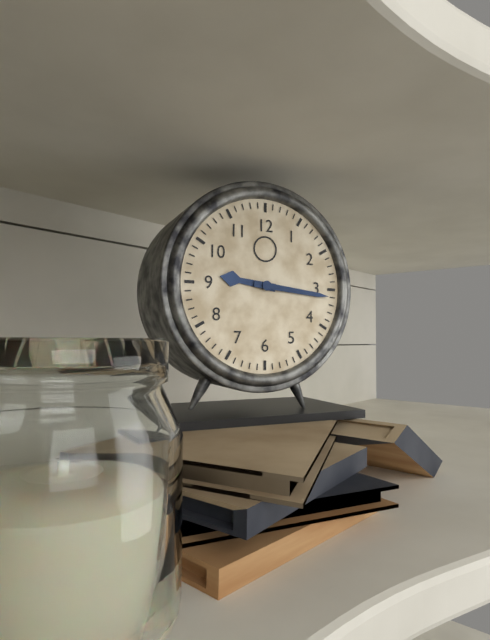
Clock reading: 9.16
